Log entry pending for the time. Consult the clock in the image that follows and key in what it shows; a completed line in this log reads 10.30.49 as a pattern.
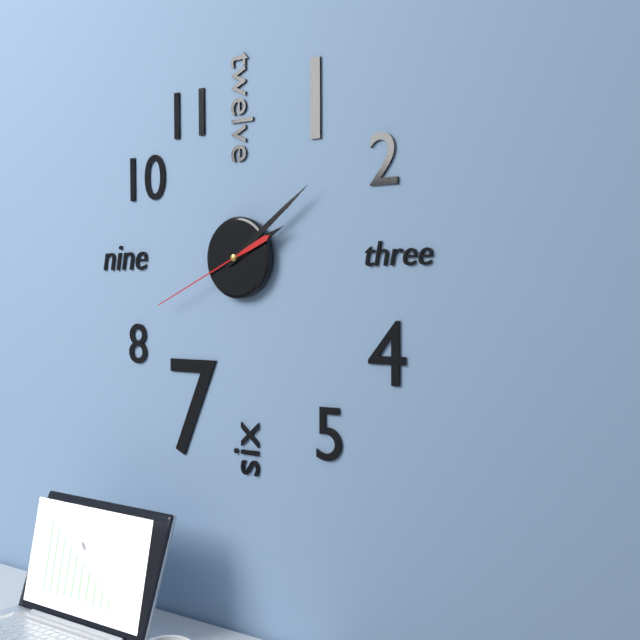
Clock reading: 2.09.41
